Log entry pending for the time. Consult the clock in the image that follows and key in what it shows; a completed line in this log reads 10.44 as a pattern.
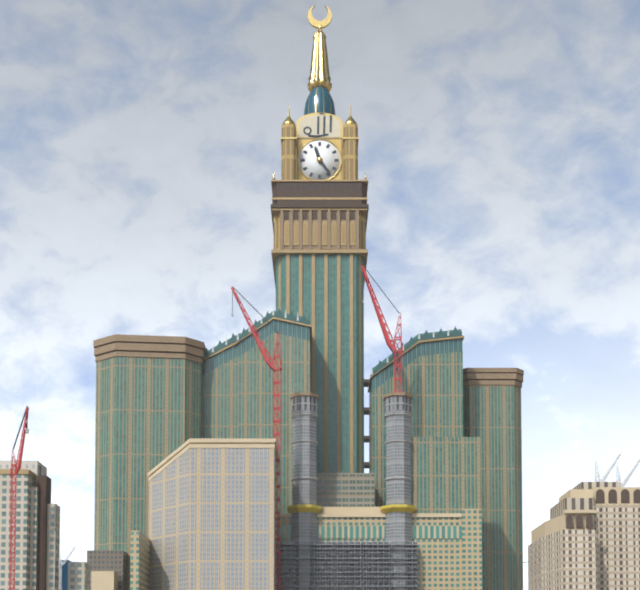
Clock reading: 11.24
